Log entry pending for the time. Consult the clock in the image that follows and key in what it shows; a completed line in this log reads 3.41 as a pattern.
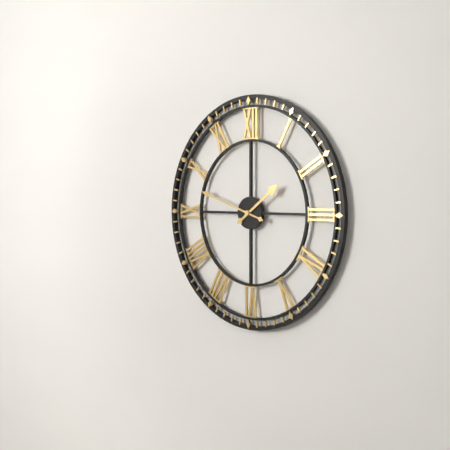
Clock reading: 1.48
